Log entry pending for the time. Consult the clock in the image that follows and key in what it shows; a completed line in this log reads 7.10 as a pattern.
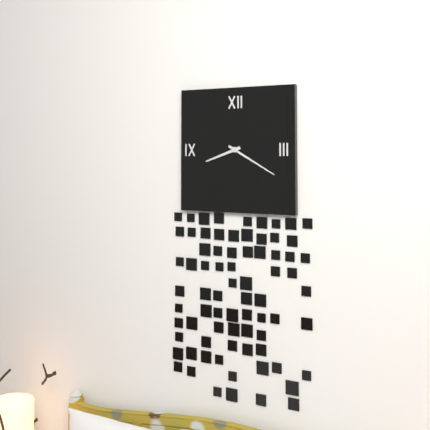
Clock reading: 8.20
